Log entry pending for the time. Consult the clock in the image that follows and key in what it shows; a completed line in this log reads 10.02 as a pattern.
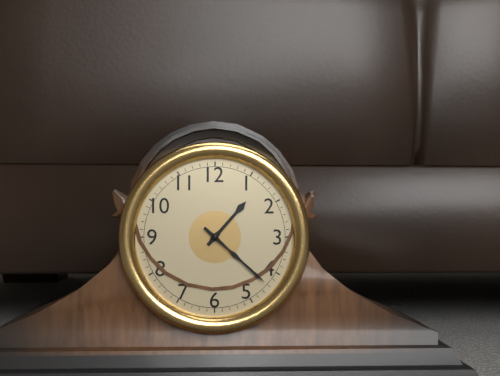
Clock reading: 1.22
